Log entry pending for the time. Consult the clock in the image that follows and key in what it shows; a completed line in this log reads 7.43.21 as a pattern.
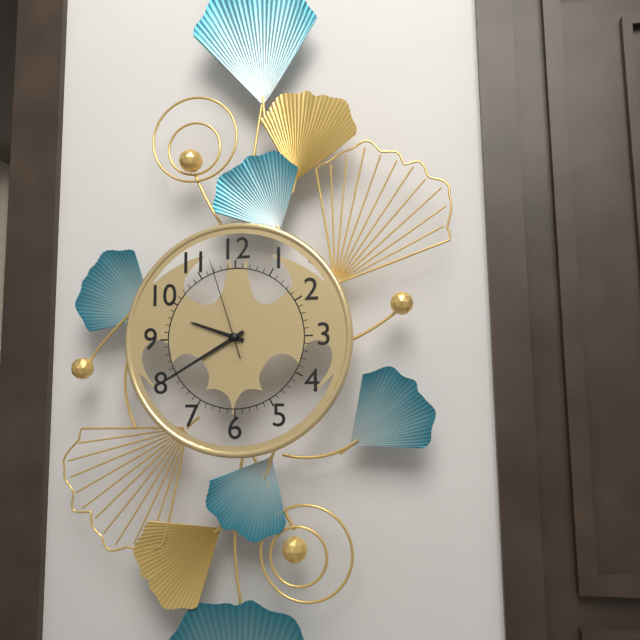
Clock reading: 9.40.57
